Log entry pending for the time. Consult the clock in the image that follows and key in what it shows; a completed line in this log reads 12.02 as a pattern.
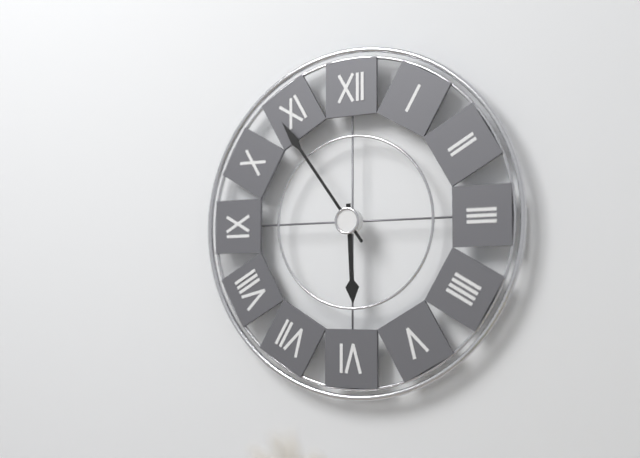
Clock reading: 5.54
